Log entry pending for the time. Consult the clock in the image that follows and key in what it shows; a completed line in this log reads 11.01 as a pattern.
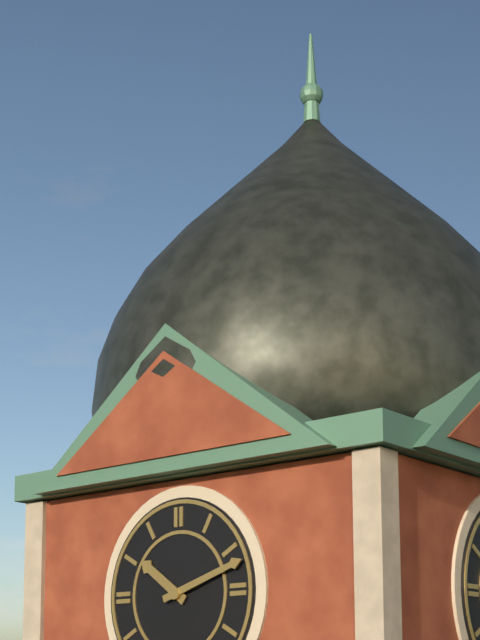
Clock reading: 10.12
